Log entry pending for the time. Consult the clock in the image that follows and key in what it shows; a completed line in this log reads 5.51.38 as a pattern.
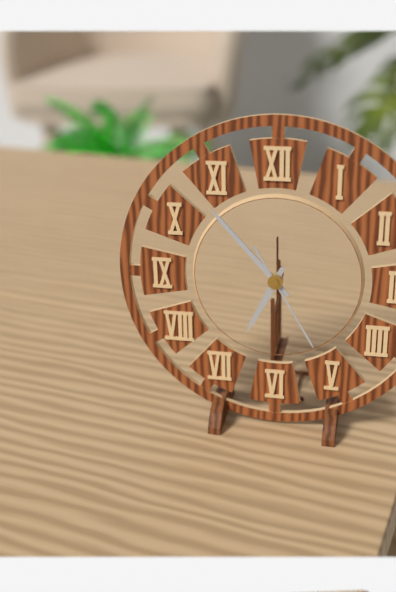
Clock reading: 6.53.25
